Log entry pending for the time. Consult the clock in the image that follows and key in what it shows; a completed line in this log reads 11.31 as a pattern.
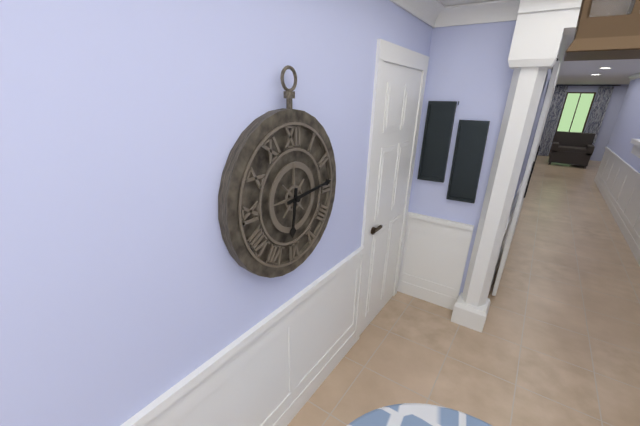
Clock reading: 6.14
